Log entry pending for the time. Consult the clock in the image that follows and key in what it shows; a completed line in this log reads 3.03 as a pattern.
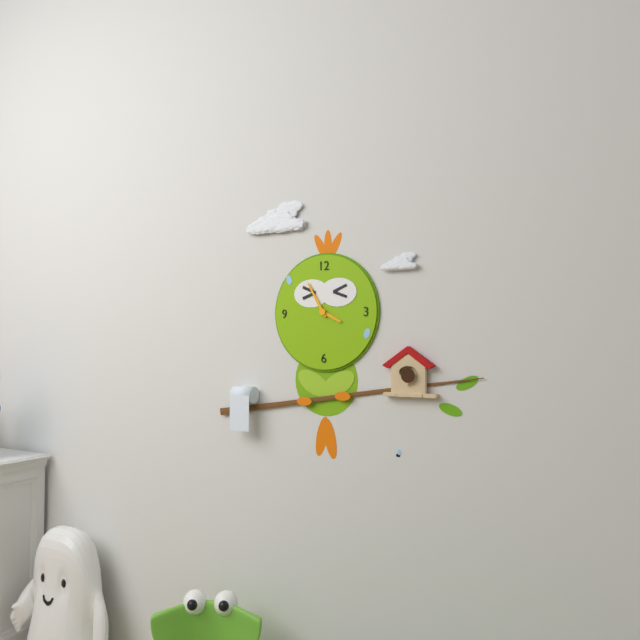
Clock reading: 3.55
